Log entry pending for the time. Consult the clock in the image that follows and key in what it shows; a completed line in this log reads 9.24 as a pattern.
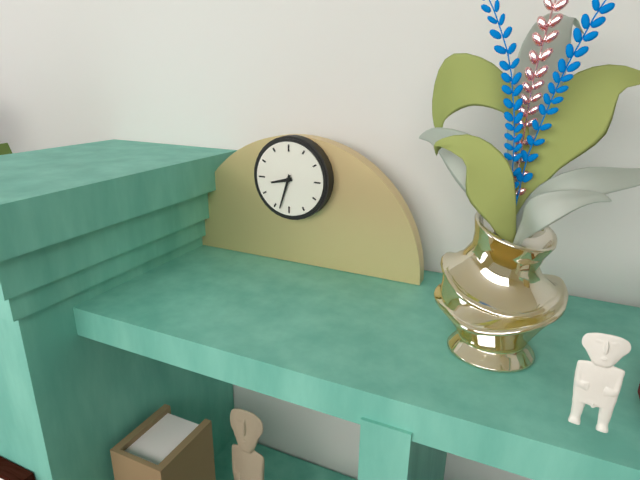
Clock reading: 8.33
